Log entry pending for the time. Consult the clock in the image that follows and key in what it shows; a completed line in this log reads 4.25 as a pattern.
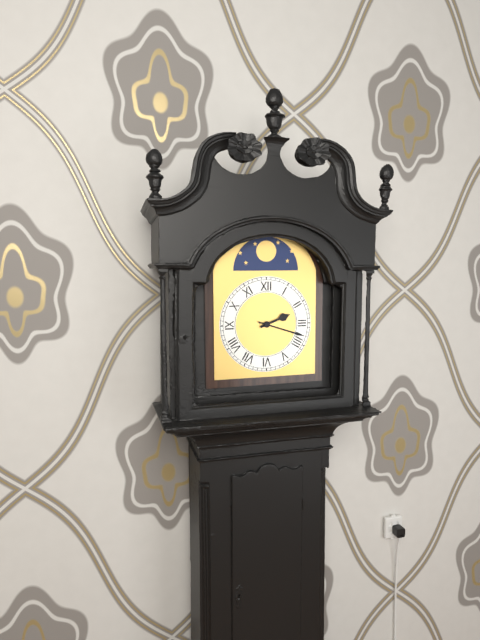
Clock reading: 2.18
